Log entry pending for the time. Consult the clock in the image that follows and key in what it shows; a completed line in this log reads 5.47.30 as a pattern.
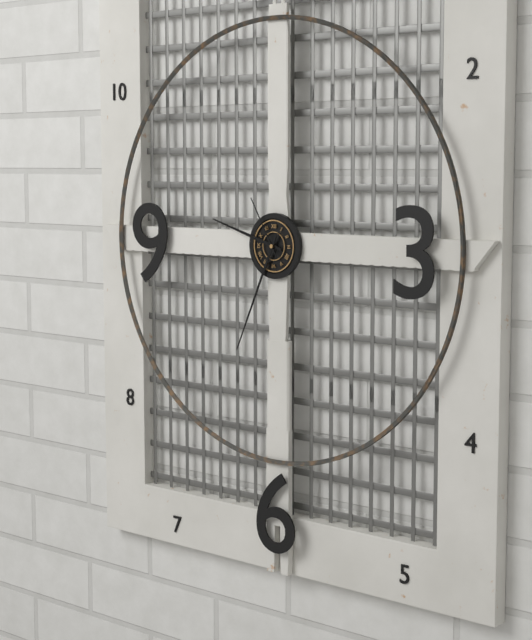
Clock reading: 9.34.55
